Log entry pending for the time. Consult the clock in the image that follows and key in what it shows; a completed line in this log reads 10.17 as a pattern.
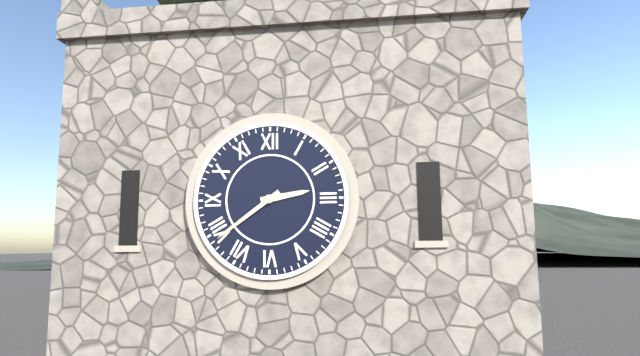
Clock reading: 2.39
